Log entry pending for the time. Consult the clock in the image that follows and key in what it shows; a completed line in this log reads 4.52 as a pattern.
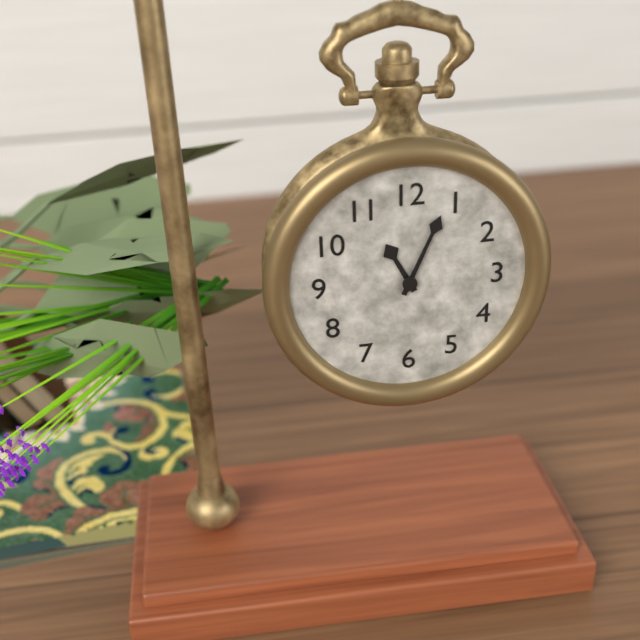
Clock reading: 11.04
